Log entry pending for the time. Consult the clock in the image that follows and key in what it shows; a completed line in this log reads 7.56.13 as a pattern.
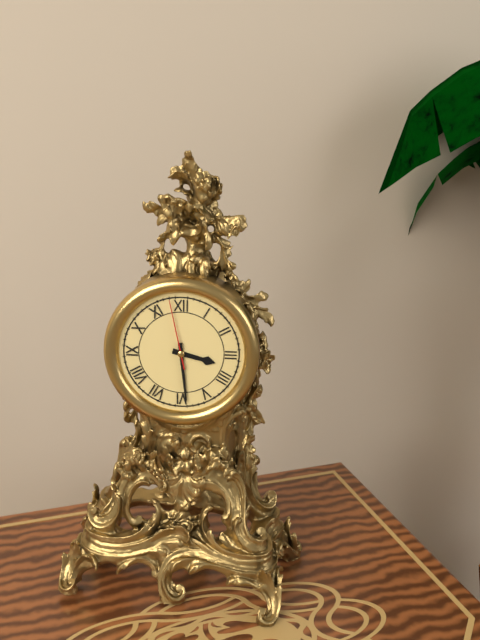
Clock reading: 3.29.58
